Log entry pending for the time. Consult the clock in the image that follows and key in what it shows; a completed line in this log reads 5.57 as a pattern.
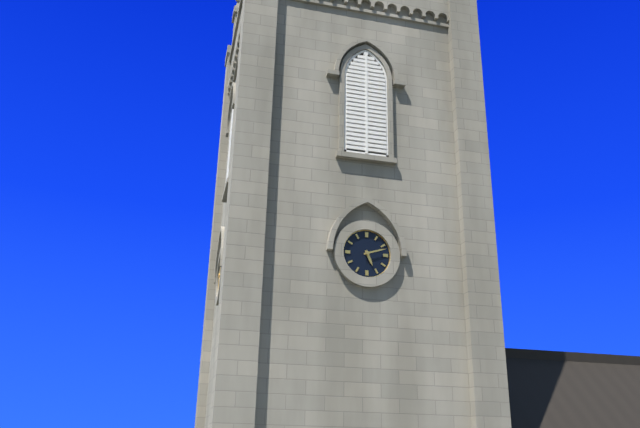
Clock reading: 5.12
